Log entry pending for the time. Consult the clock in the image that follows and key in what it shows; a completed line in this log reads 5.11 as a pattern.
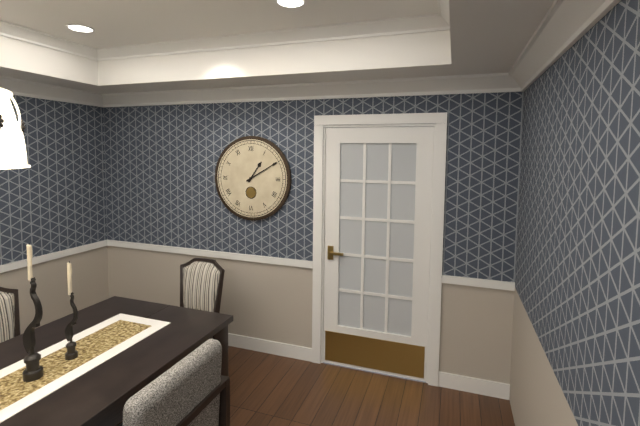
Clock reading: 1.10
